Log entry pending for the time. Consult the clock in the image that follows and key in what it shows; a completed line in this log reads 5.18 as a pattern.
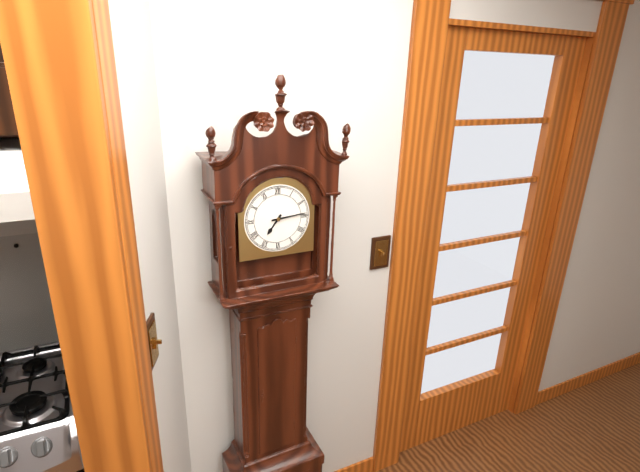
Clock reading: 7.14
